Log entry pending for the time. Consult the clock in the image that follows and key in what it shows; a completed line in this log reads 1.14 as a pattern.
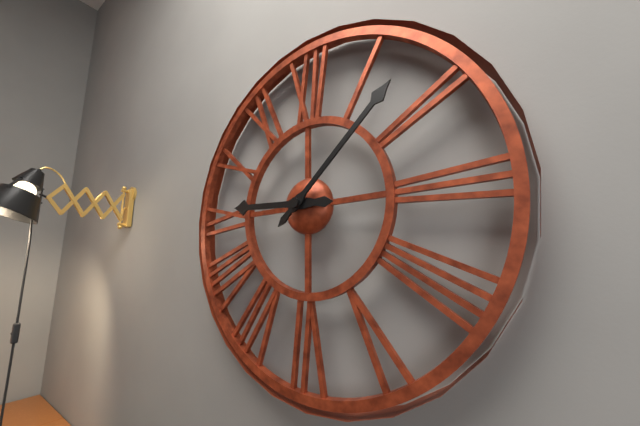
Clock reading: 9.08
